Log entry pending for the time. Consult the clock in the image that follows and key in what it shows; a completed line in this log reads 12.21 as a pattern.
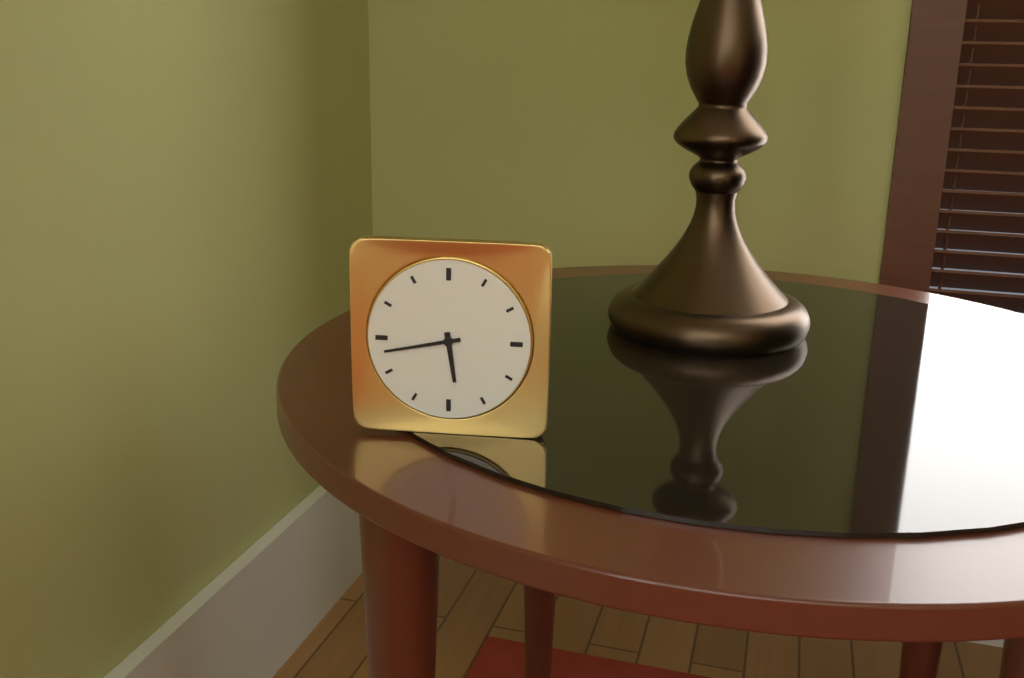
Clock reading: 5.43
